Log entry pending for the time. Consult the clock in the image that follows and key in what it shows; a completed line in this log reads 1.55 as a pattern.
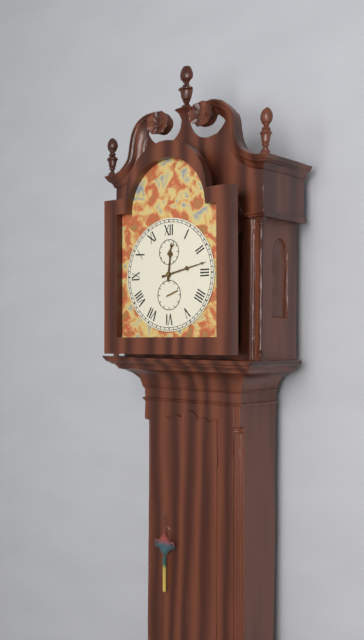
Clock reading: 12.13
